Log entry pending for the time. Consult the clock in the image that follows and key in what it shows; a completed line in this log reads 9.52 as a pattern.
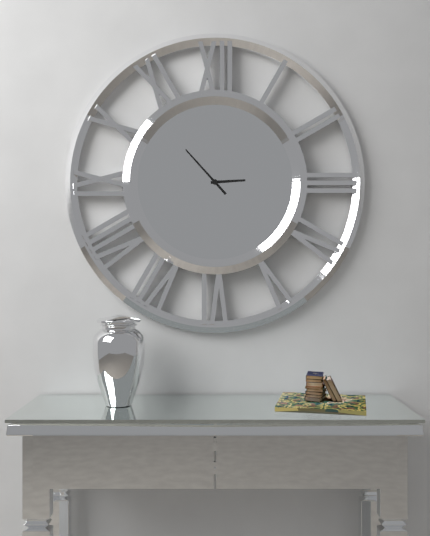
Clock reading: 2.53
